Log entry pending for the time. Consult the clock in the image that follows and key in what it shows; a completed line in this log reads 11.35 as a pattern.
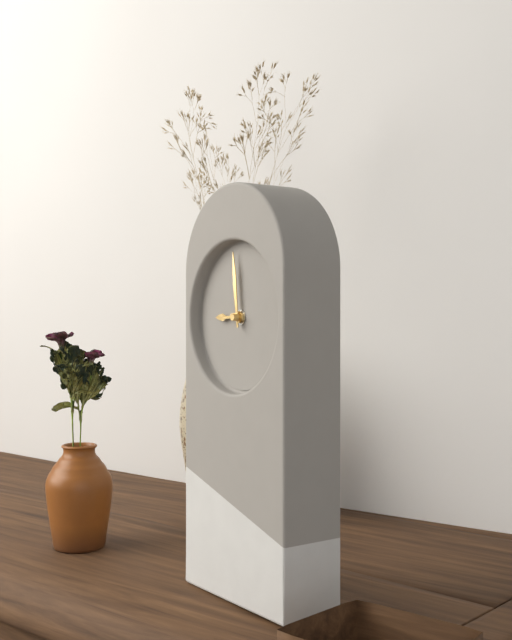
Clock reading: 8.59
